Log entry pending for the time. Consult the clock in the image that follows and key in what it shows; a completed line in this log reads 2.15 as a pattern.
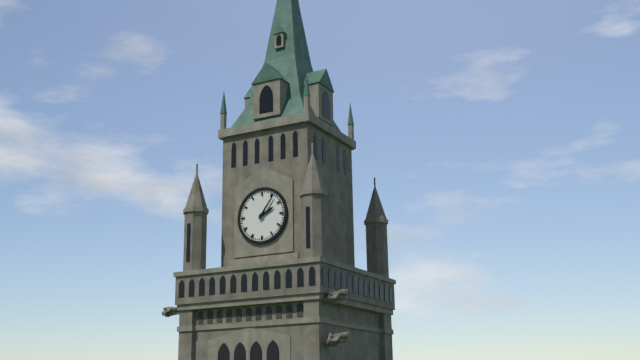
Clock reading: 2.06
